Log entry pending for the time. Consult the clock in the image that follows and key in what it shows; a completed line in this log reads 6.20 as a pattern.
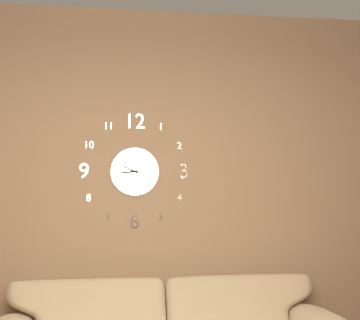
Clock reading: 8.49
